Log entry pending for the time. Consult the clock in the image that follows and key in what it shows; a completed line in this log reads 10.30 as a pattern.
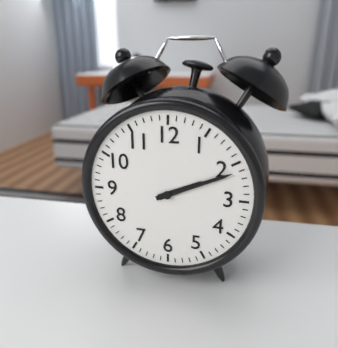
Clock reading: 2.11
